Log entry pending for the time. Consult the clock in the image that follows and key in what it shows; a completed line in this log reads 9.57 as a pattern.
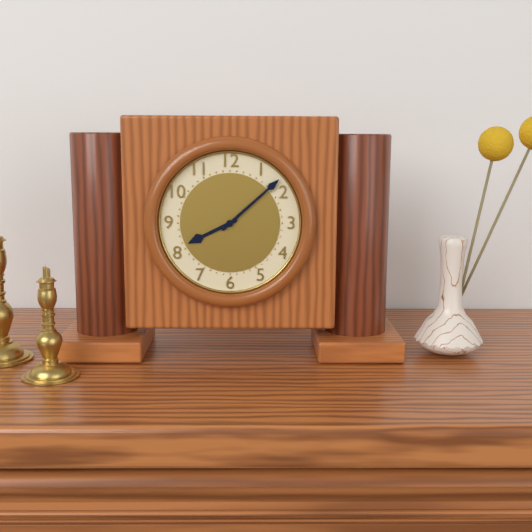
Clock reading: 8.08
